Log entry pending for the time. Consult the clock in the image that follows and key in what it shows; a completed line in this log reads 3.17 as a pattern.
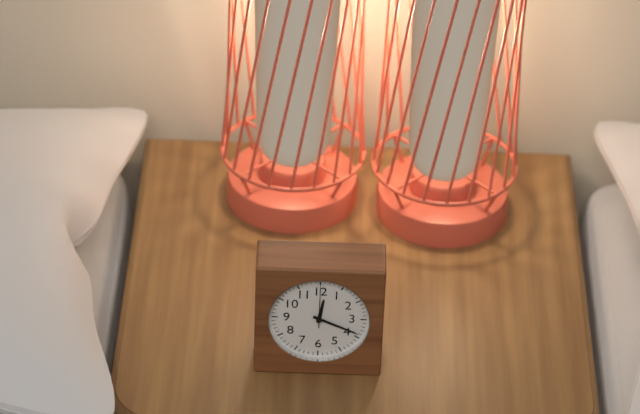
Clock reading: 12.19
